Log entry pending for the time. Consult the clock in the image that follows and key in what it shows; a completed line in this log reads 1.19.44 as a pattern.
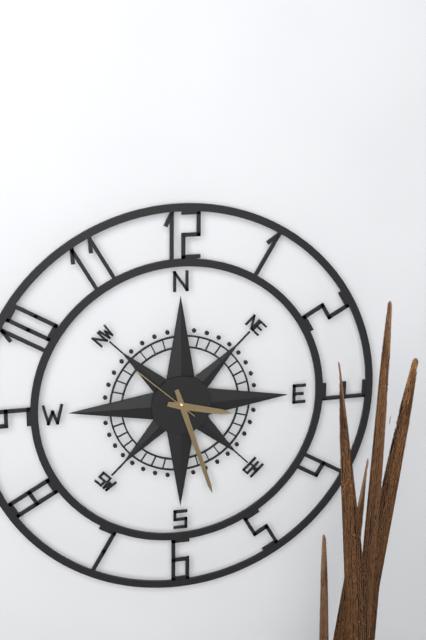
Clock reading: 3.27.52
